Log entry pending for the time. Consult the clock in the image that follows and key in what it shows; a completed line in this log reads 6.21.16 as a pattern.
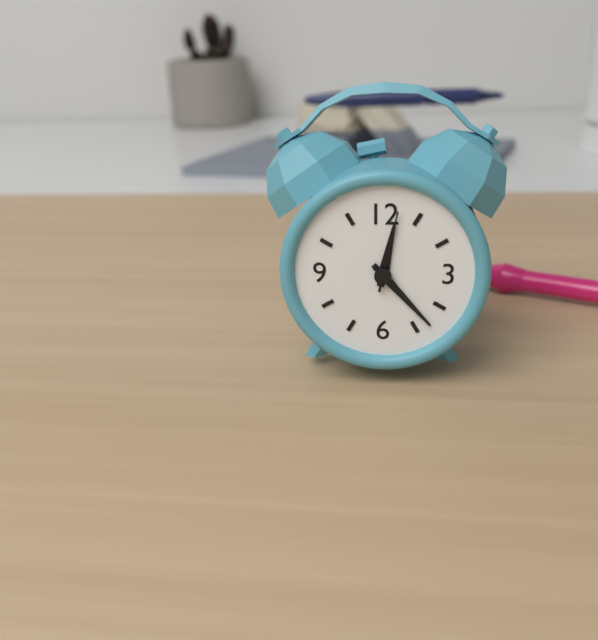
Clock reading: 12.23.02
